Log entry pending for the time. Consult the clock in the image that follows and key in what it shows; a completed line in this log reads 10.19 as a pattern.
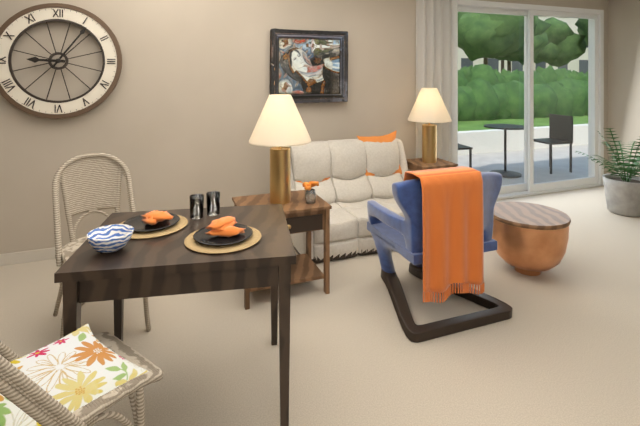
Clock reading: 9.06
